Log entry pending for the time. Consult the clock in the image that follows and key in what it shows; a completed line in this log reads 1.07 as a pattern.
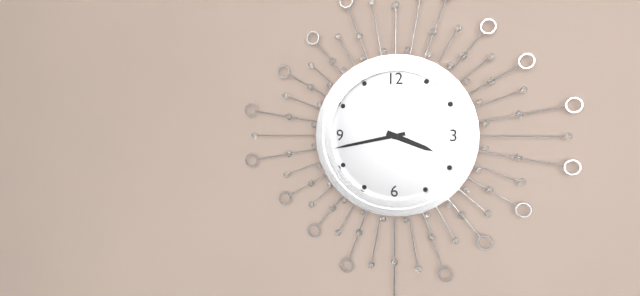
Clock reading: 3.43
